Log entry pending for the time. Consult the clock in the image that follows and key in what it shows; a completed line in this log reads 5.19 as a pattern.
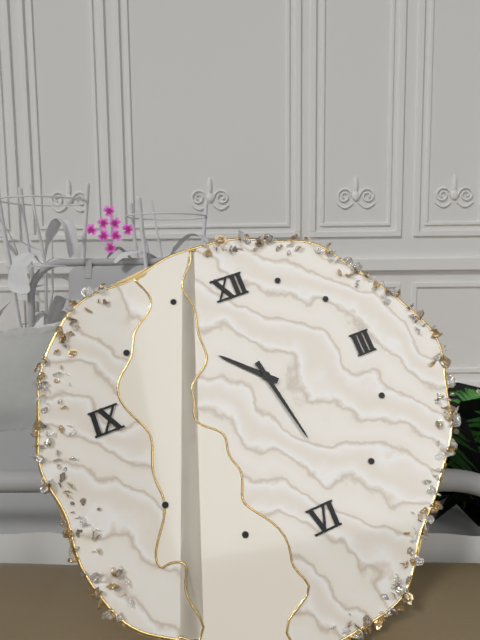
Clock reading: 10.28
